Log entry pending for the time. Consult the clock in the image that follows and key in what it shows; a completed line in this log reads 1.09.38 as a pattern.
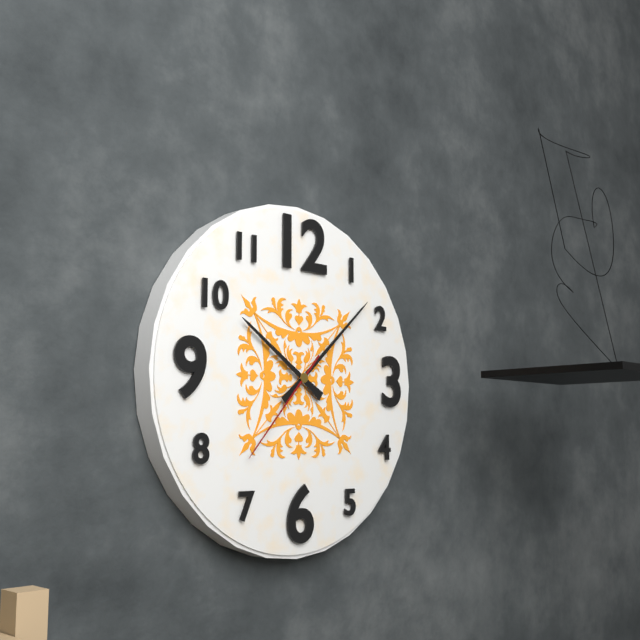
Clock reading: 10.08.37
